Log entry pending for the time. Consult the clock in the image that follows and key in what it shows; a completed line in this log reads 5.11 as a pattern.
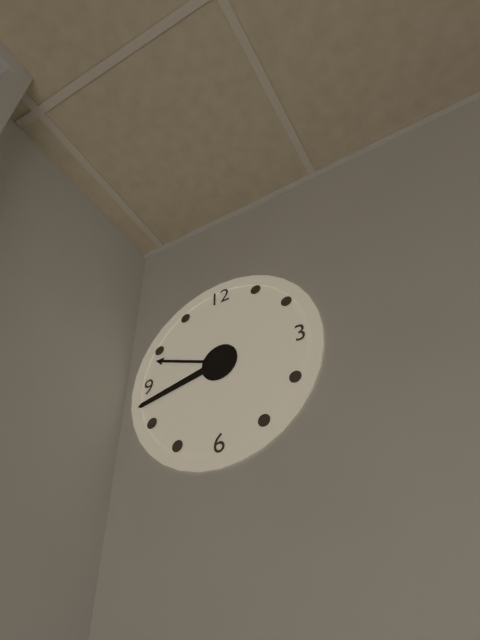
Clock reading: 9.43
